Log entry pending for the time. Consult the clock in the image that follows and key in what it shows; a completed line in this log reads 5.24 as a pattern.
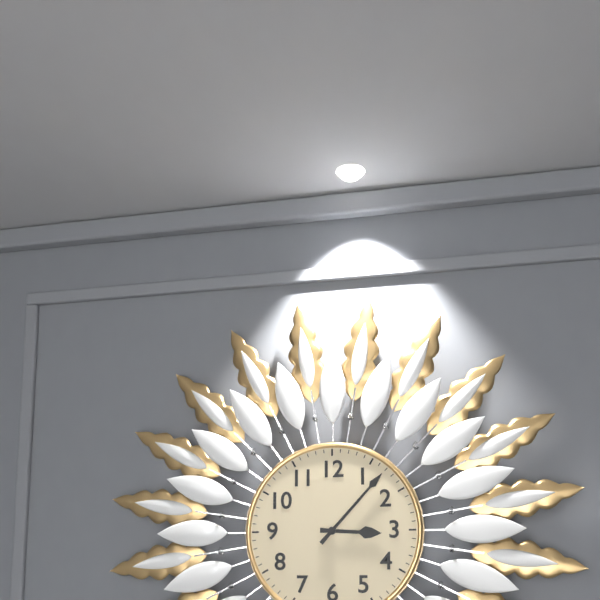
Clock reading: 3.07
